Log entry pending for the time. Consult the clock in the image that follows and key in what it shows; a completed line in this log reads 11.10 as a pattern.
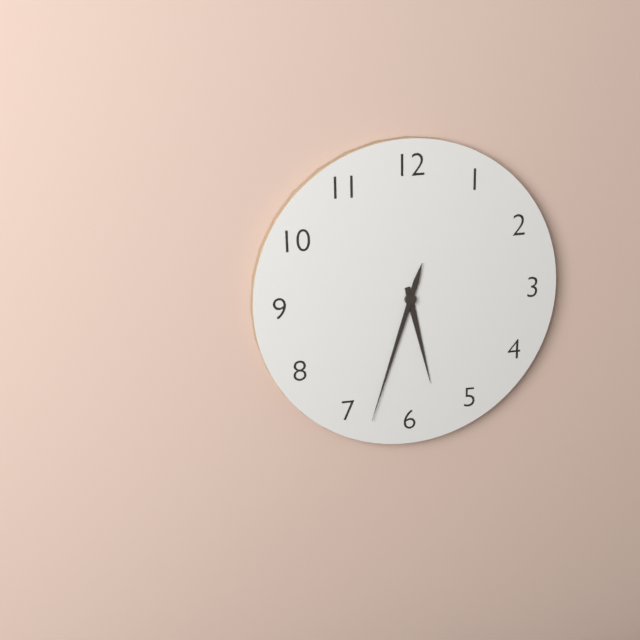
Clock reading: 5.33
